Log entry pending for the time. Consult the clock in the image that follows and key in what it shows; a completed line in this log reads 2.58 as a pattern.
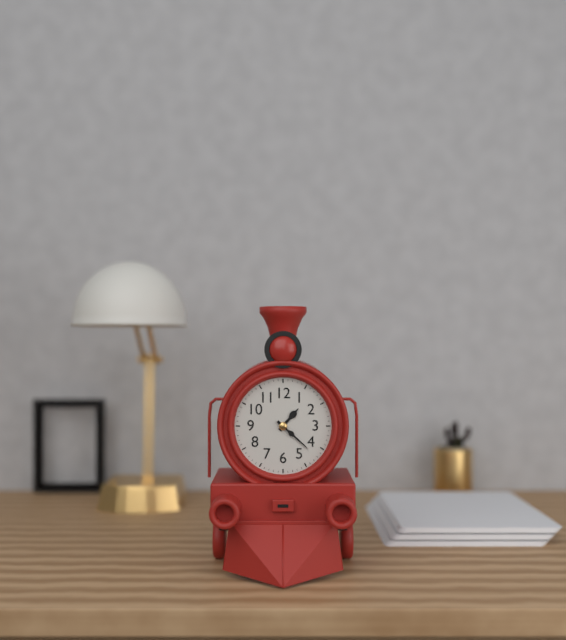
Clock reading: 1.22
